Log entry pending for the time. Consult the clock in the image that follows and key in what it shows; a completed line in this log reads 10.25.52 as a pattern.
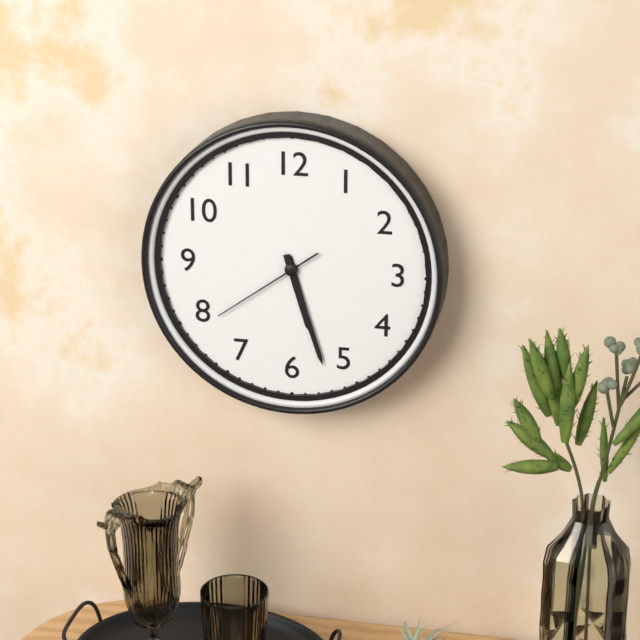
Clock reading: 5.27.39
